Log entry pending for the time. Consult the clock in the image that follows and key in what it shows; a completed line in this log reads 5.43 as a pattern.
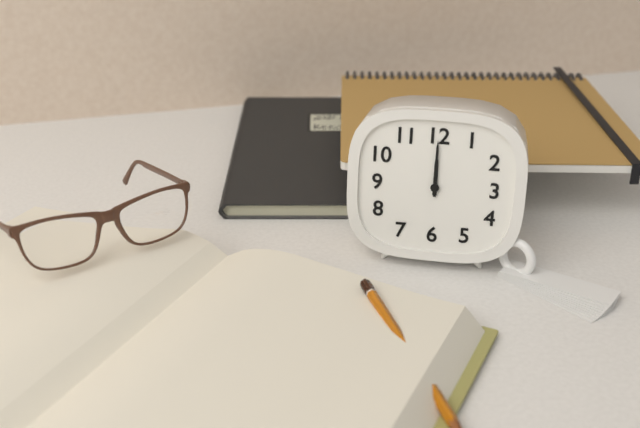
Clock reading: 12.00
